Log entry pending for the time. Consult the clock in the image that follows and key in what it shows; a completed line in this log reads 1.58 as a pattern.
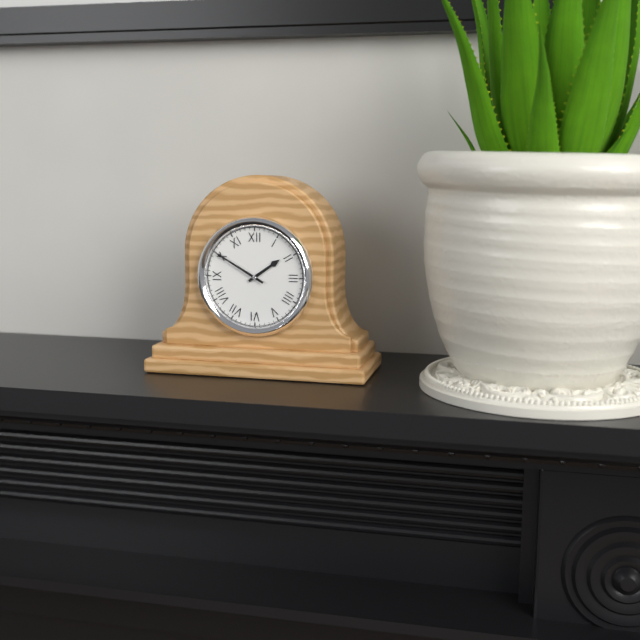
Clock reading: 1.50
